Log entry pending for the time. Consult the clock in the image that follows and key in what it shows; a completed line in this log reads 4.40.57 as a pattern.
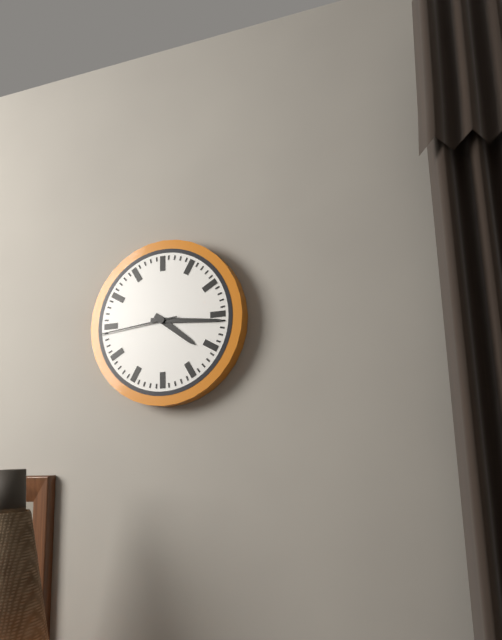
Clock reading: 4.16.44
